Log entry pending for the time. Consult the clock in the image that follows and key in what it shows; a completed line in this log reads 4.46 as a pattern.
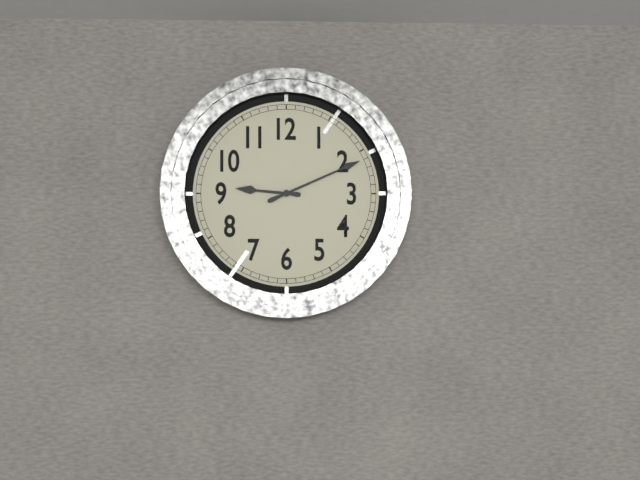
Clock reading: 9.11
